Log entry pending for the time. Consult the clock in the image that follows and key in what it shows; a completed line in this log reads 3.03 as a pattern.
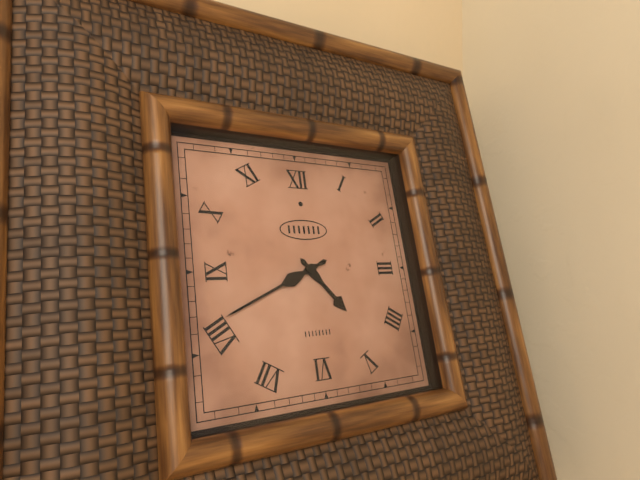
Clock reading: 4.41
